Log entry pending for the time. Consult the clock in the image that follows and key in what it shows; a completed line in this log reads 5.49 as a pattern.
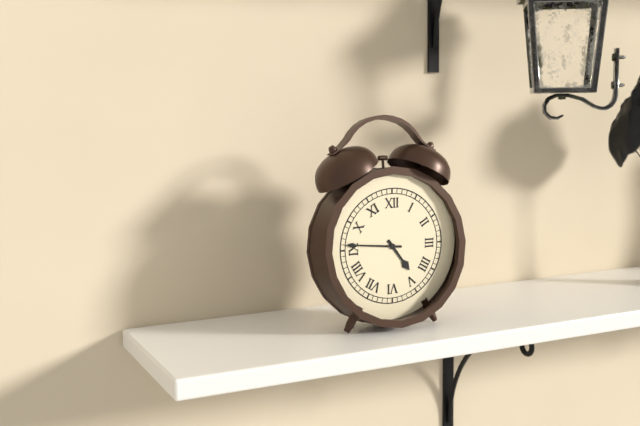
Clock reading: 4.46
